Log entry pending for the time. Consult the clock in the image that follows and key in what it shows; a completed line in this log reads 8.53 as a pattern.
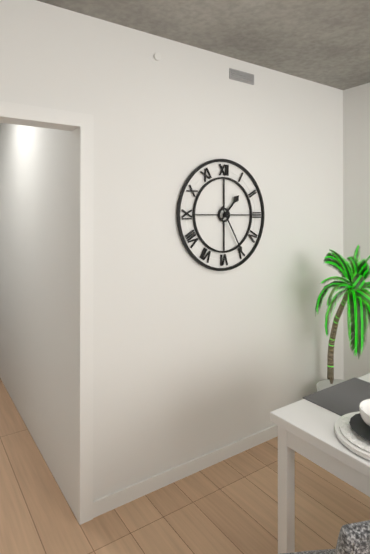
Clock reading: 1.25
